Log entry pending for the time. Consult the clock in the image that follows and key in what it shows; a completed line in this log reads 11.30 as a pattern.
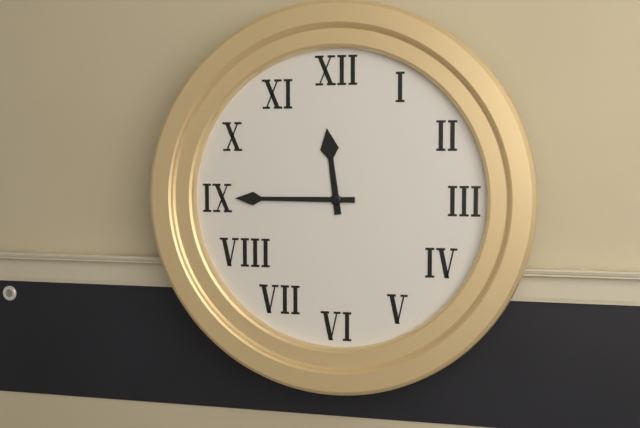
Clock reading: 11.45
